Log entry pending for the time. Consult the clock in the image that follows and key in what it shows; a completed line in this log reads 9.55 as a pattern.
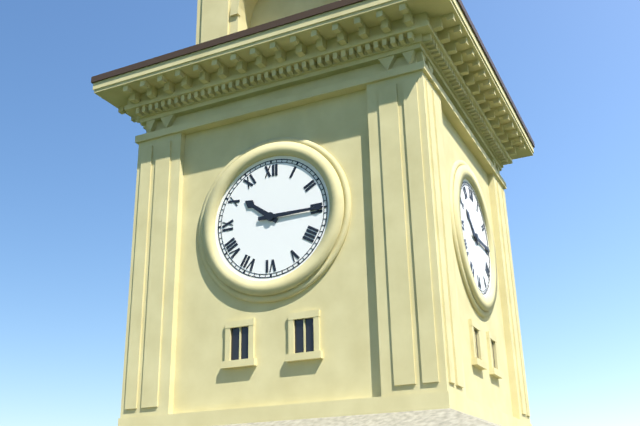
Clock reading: 10.15
